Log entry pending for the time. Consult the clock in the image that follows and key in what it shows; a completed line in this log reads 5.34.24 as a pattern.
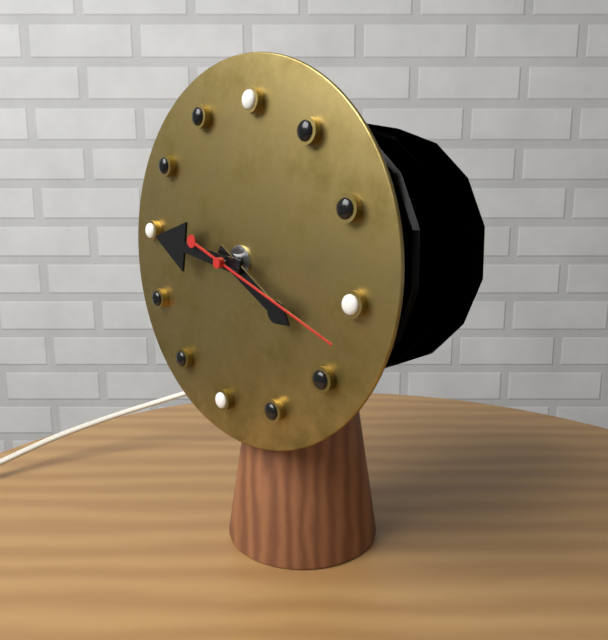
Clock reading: 3.45.17
